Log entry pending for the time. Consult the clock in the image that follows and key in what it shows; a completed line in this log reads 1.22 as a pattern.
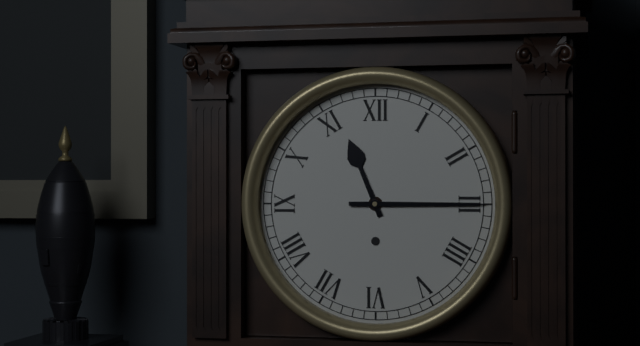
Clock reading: 11.15
